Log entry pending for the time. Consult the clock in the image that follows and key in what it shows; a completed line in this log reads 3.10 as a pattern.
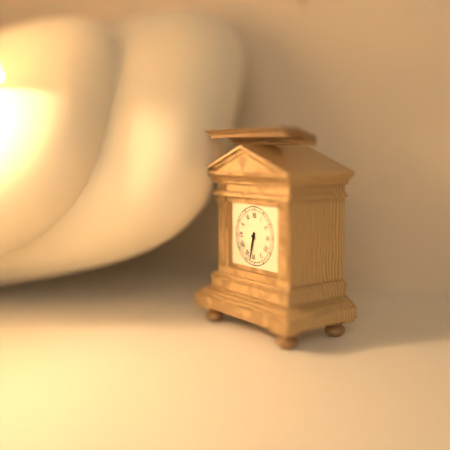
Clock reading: 6.32
